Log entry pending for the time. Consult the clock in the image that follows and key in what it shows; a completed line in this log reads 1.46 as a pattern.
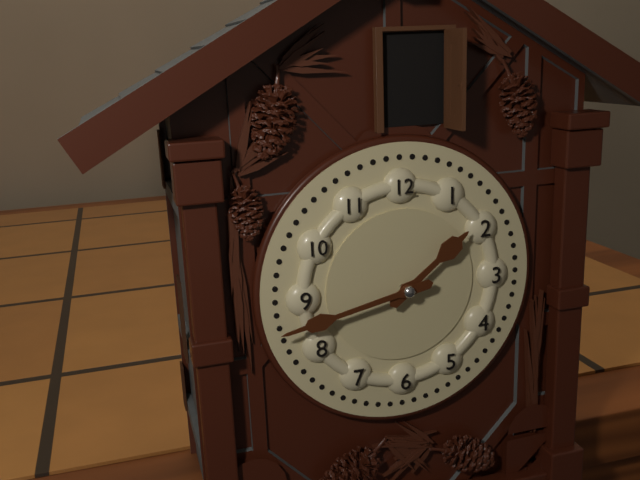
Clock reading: 1.43
